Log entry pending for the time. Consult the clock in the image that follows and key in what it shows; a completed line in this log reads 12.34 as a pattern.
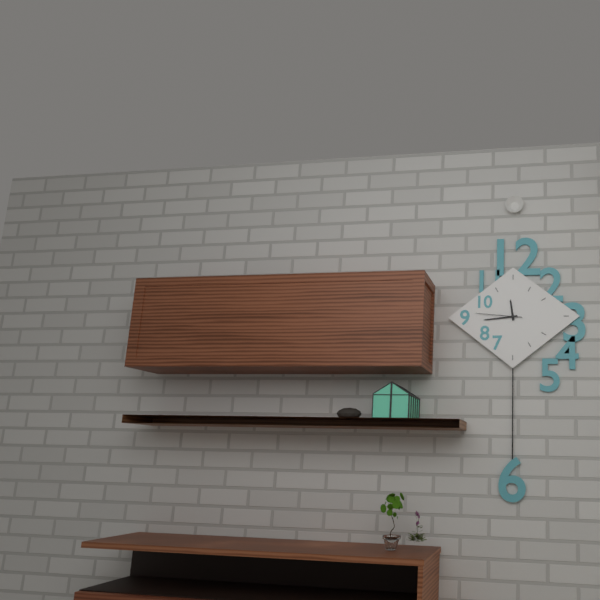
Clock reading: 11.44
